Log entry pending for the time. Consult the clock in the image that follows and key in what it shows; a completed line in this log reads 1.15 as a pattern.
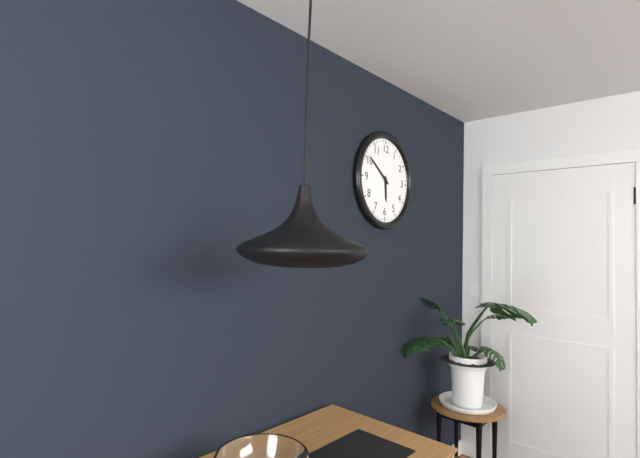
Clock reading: 5.51
